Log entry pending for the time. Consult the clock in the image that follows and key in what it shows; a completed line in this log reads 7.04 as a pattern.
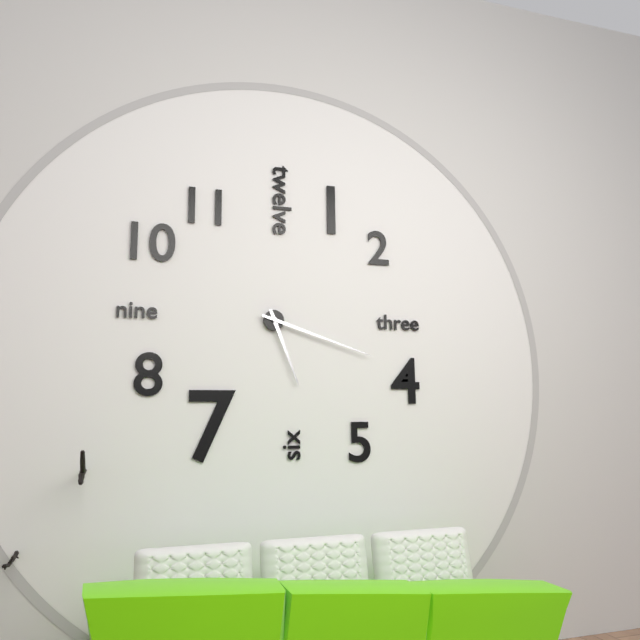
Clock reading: 5.18
